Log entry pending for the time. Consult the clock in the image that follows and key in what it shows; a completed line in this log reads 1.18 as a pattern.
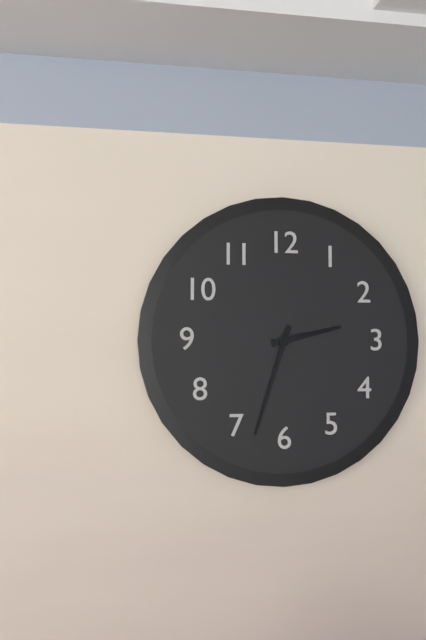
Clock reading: 2.33
